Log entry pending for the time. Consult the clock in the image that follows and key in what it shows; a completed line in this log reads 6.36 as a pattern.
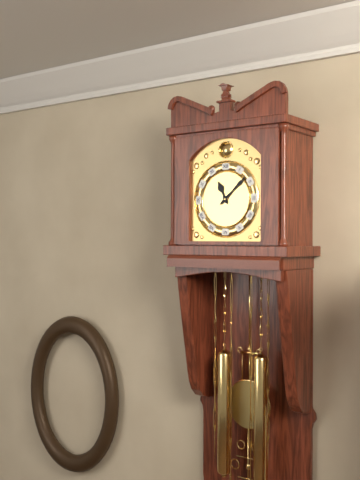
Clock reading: 11.08
